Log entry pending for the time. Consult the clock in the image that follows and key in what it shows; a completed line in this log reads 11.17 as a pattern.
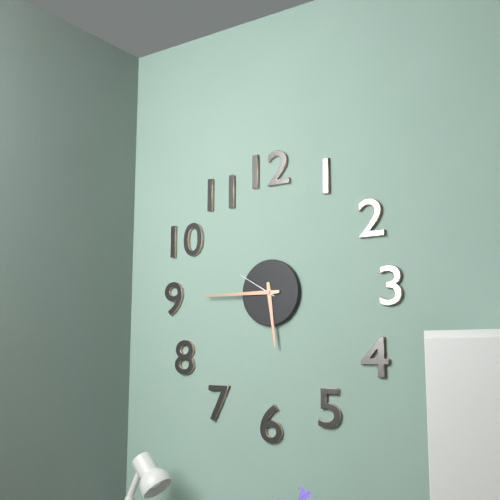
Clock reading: 5.45
